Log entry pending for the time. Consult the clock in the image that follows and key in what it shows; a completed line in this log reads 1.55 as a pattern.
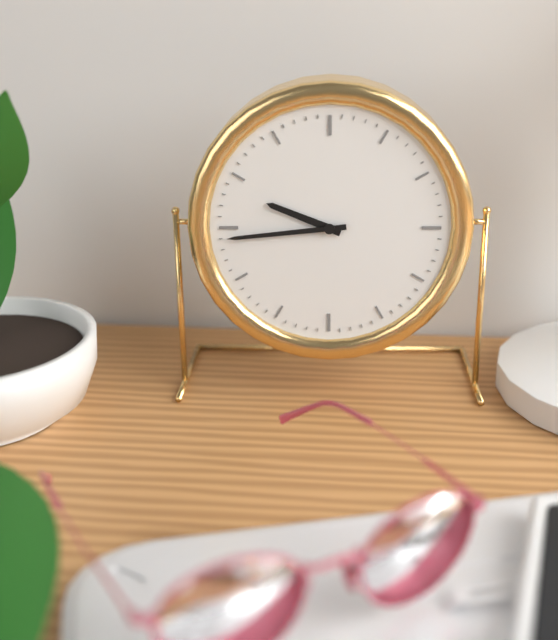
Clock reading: 9.44
